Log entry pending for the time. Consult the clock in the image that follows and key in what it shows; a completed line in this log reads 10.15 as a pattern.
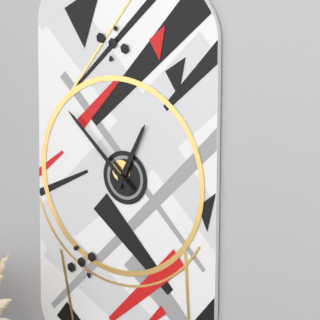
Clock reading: 12.52
